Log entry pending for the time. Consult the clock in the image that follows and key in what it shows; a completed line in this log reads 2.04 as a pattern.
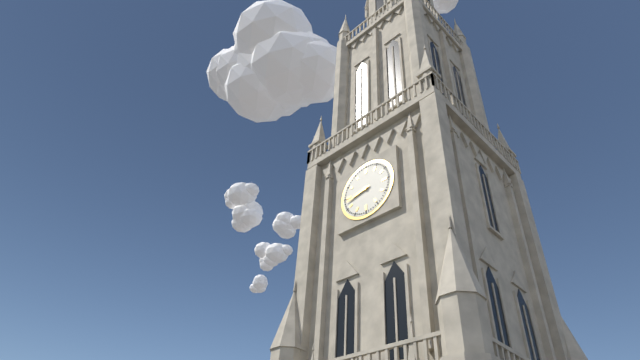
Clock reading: 8.43
